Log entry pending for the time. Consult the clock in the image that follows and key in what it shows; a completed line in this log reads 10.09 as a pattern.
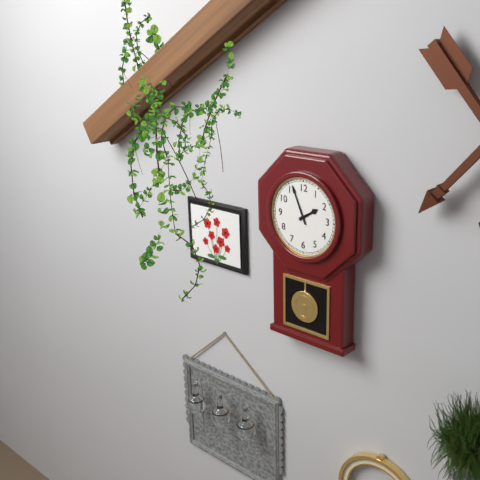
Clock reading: 1.56
